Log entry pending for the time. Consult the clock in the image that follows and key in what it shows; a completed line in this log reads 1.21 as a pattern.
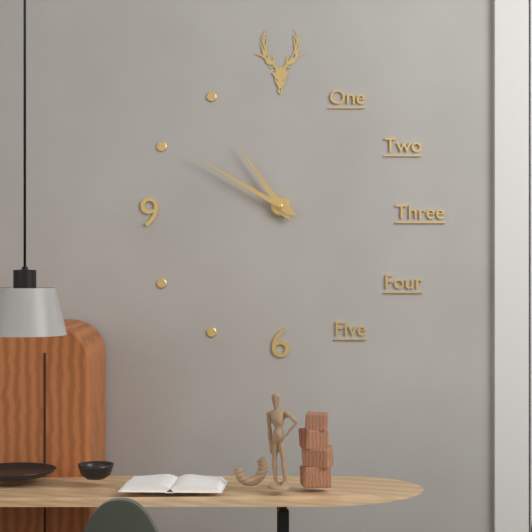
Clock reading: 10.50
